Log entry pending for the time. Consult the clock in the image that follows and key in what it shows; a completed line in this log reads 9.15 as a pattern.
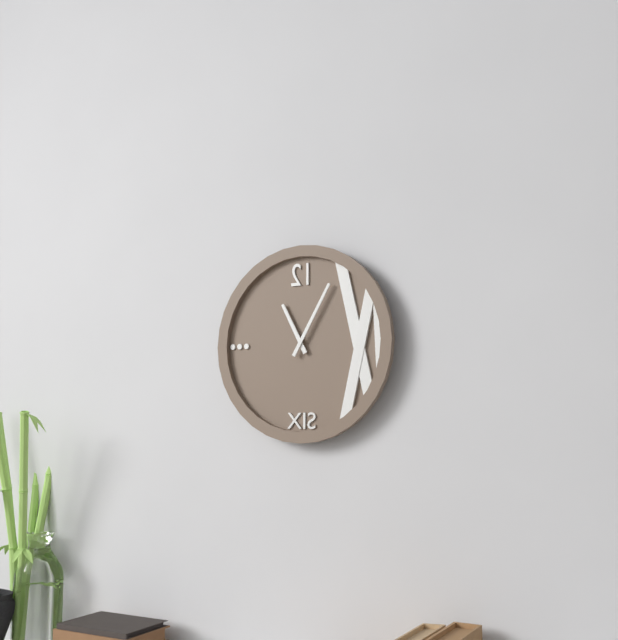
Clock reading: 11.05
